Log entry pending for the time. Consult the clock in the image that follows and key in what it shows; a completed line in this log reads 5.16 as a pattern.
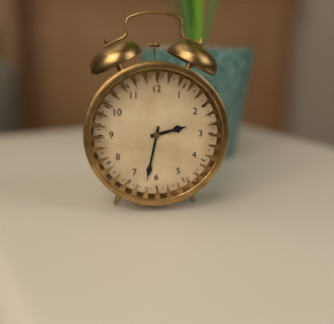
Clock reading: 2.32
